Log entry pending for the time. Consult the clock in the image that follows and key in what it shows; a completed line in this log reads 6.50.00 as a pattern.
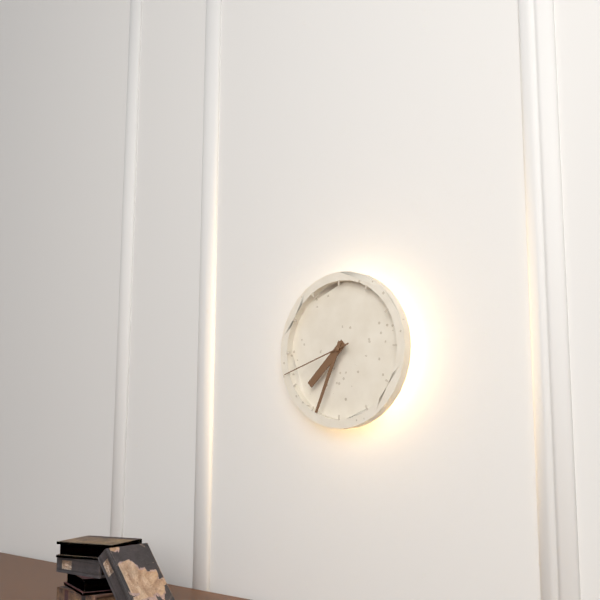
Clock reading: 7.34.42
